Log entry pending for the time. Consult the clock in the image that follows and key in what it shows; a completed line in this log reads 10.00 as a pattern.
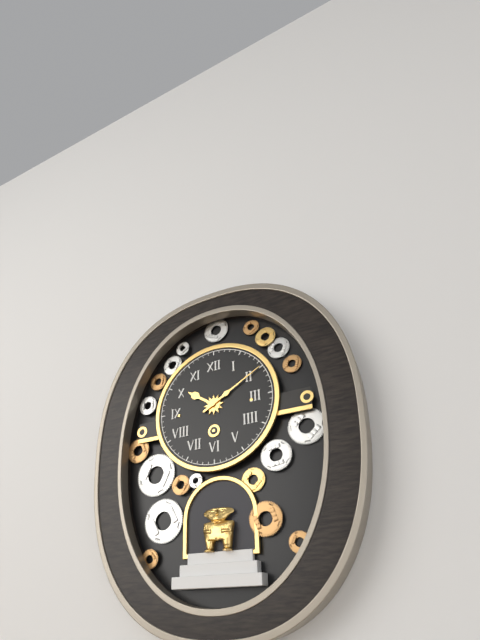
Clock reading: 10.10
